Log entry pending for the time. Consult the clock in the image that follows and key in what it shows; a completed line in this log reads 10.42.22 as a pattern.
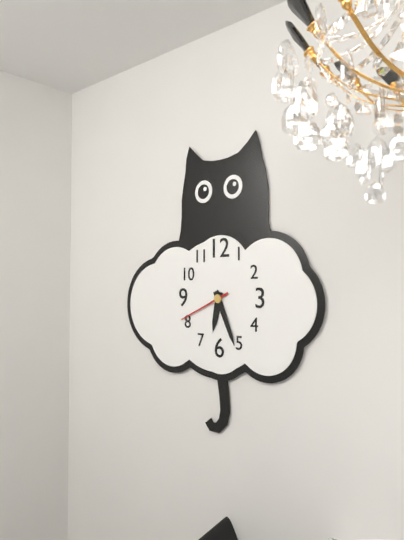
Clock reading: 6.26.41
